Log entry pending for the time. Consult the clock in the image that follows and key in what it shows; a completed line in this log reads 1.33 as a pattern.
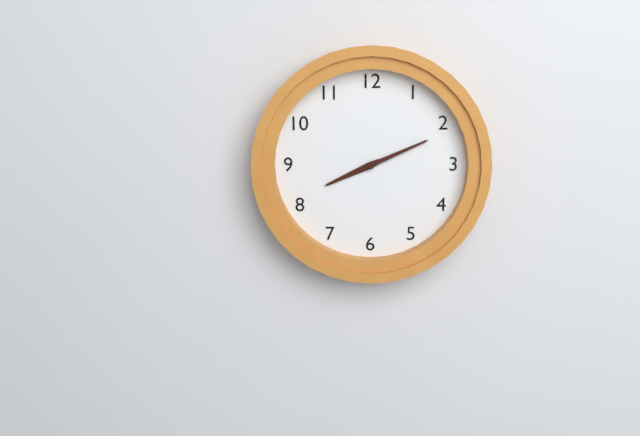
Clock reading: 8.11
